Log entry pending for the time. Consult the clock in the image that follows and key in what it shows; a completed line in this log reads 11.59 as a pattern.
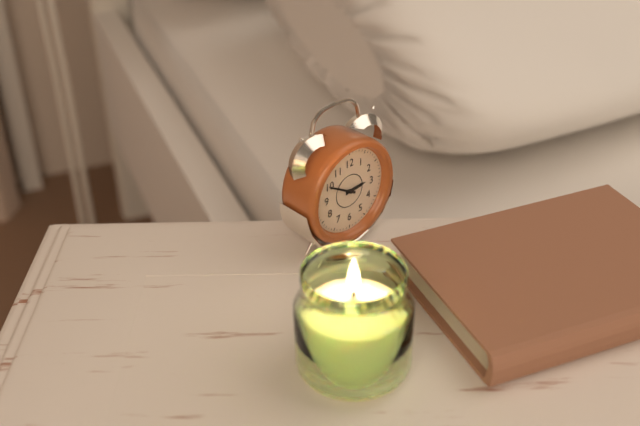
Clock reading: 2.50
